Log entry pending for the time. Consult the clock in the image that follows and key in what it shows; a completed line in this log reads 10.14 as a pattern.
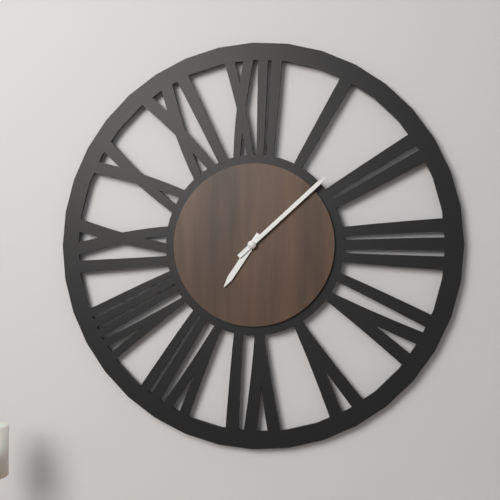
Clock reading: 7.08
